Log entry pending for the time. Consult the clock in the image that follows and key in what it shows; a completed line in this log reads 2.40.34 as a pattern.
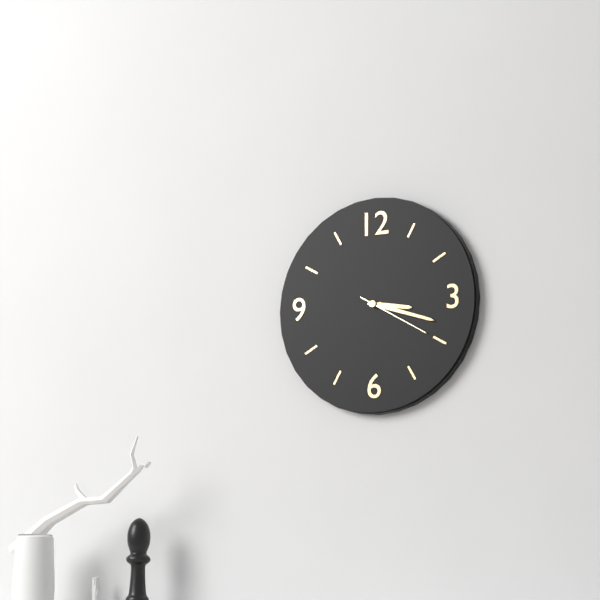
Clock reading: 3.18.20
